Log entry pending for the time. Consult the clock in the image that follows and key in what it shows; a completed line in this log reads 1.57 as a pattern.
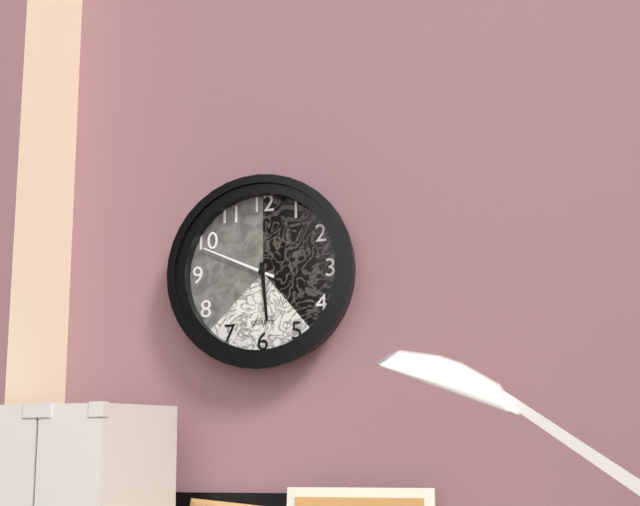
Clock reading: 5.49
